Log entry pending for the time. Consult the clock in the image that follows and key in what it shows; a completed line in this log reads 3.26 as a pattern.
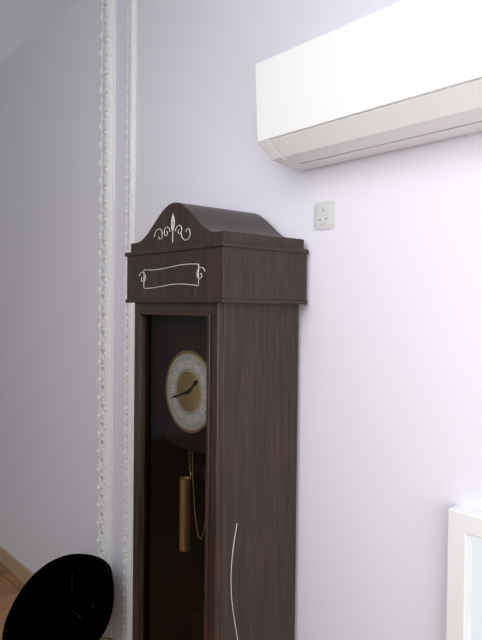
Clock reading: 1.42
